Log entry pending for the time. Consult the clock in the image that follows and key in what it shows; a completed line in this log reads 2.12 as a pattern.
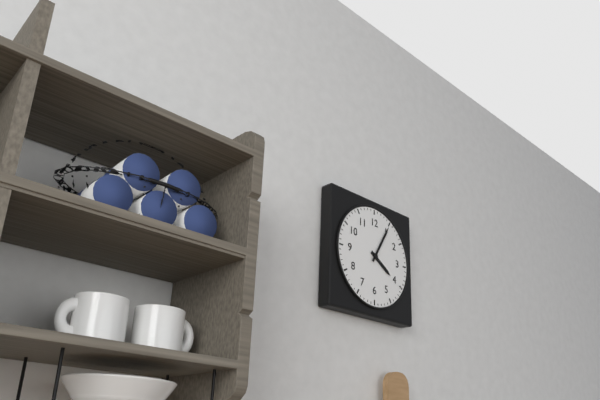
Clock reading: 4.05
